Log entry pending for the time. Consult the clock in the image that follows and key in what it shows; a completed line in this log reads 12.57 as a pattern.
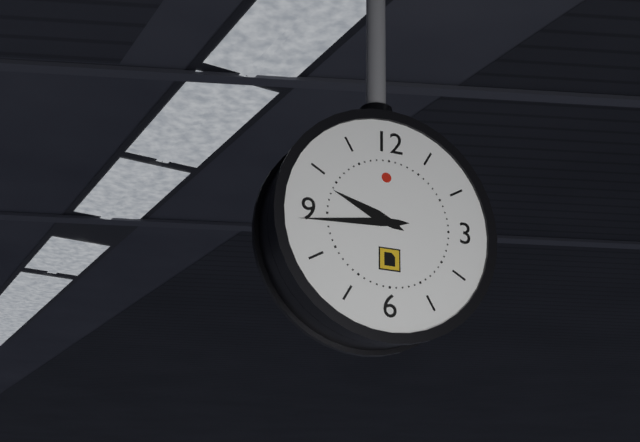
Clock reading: 9.44
